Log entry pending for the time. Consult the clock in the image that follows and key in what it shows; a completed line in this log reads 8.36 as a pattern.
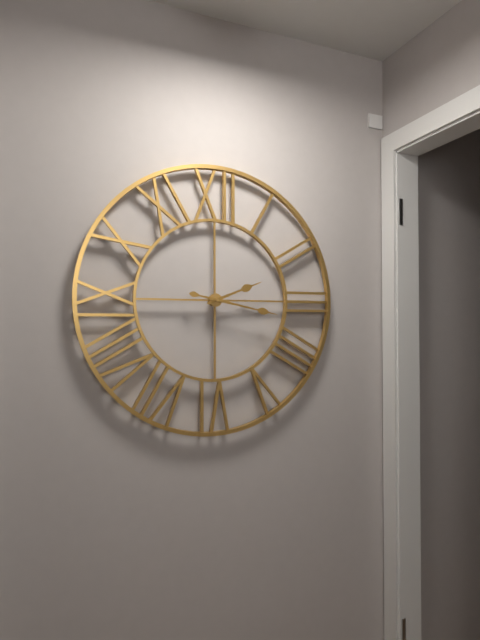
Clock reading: 2.17
